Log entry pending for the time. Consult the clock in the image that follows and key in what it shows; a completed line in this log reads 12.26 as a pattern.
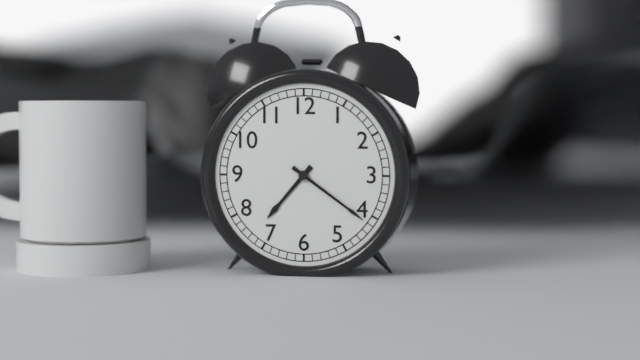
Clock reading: 7.21
